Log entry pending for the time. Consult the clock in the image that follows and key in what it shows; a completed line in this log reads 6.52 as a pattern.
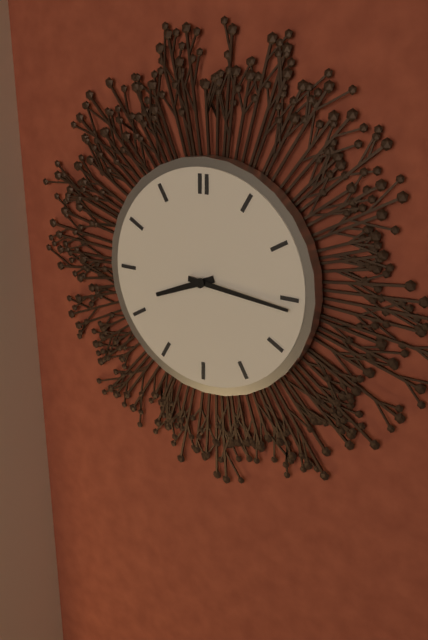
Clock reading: 8.16
